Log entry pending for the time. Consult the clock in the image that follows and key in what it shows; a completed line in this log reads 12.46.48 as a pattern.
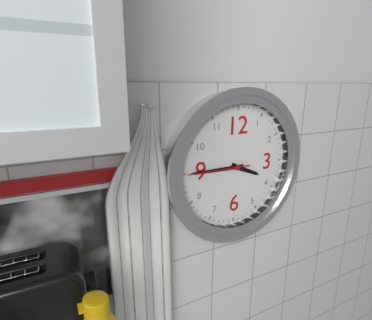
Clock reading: 3.45.45
